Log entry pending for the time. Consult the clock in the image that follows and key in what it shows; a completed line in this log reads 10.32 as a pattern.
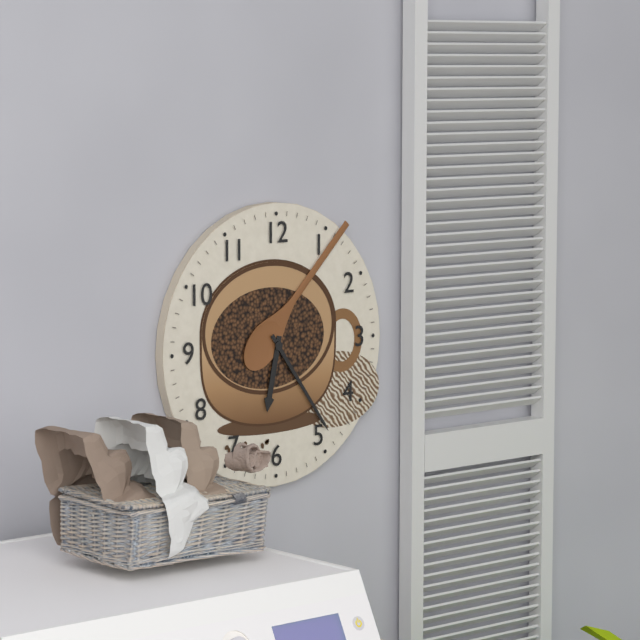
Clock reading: 6.24
